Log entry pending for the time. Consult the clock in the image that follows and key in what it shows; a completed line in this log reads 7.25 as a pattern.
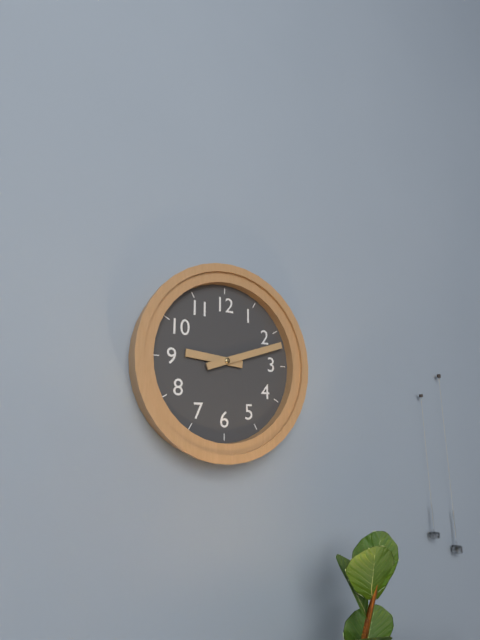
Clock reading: 9.12
